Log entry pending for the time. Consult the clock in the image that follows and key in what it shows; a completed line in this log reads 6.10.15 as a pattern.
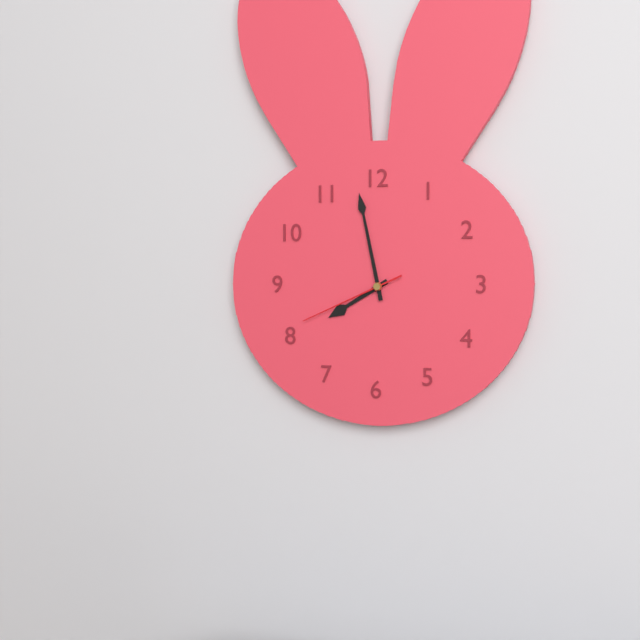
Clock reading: 7.58.41
